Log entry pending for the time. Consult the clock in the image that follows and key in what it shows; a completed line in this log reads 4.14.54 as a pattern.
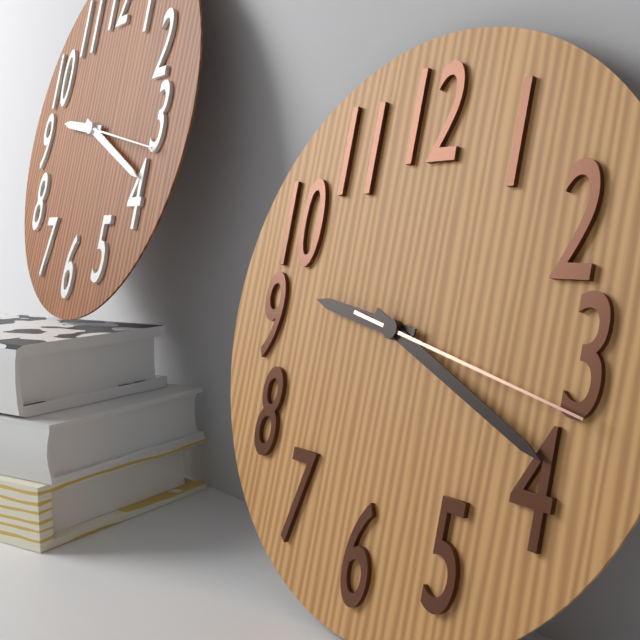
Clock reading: 9.19.17
